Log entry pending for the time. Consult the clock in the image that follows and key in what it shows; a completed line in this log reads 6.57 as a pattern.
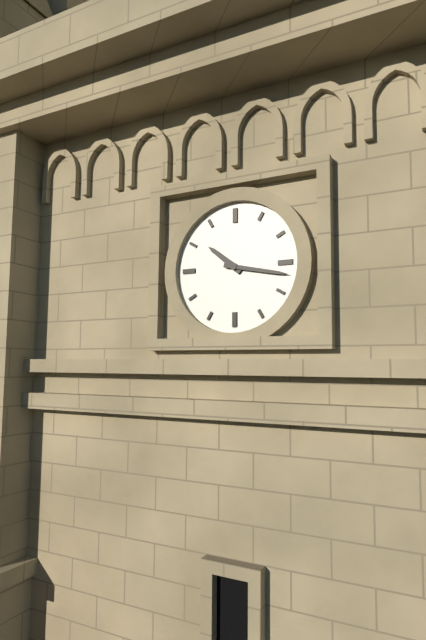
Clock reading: 10.17
